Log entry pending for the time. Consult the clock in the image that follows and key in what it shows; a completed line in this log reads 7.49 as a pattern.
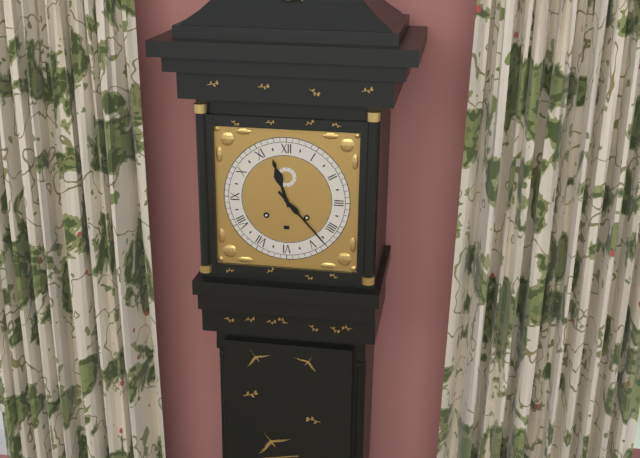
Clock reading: 11.23
